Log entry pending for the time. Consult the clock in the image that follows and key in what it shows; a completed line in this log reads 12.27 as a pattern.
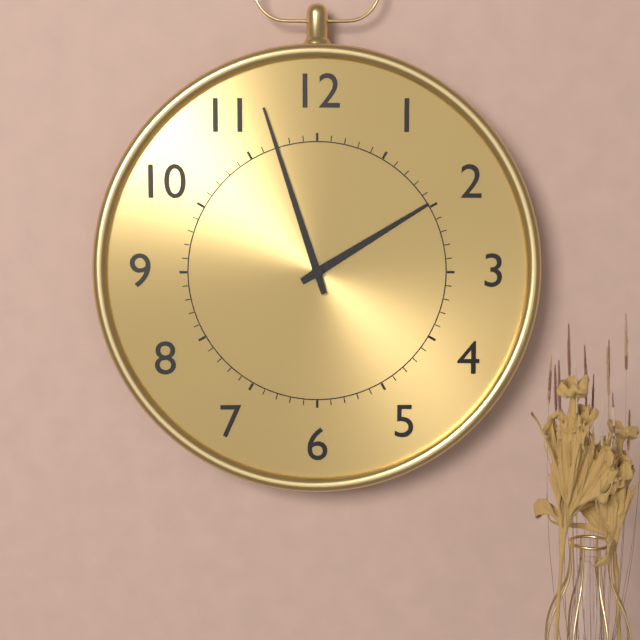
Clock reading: 1.57
